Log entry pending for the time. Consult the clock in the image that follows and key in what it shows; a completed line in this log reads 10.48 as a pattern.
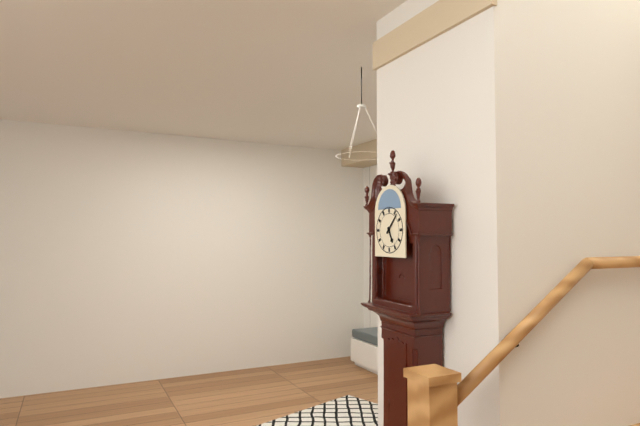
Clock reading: 5.07
